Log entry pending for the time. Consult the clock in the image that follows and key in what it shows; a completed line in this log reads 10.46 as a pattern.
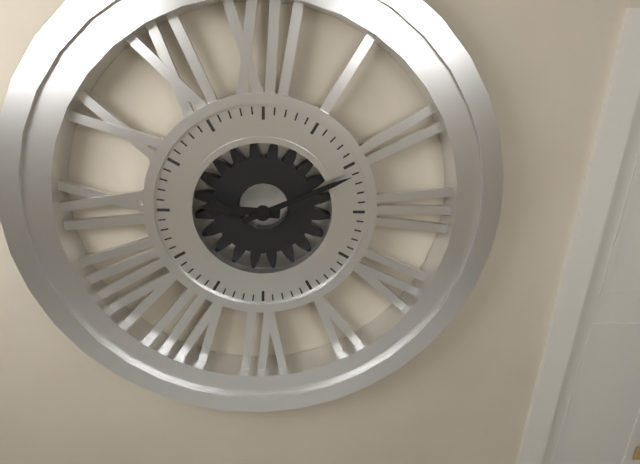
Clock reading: 9.11
